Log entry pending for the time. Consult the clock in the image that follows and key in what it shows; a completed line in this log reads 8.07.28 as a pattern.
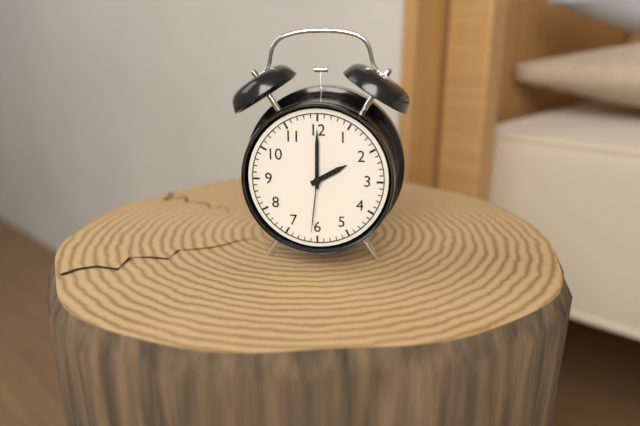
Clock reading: 2.00.31
